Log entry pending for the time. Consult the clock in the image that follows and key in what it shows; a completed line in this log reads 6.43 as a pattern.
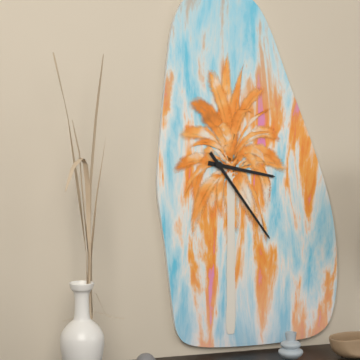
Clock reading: 3.24
